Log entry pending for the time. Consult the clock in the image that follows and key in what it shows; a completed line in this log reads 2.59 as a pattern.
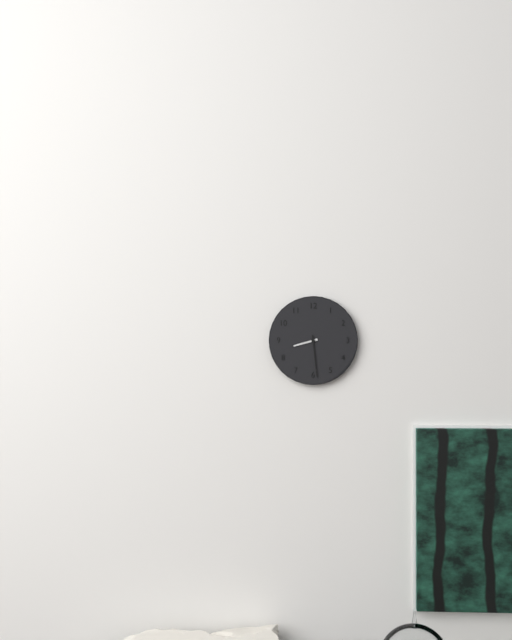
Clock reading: 8.29
